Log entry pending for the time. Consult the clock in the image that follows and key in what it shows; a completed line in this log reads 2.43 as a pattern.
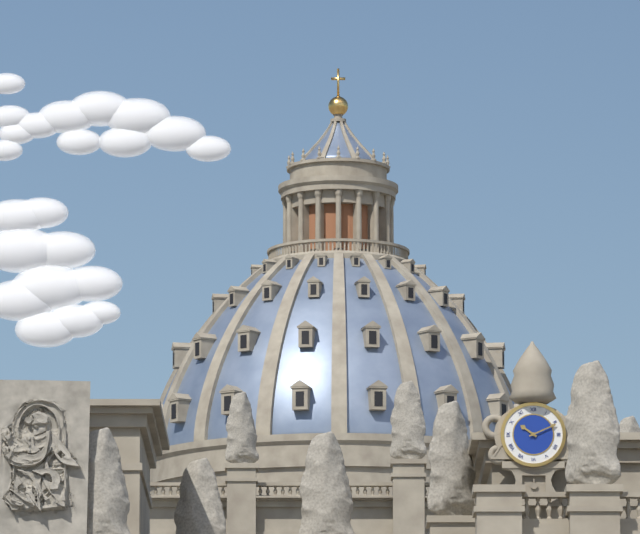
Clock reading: 10.11
